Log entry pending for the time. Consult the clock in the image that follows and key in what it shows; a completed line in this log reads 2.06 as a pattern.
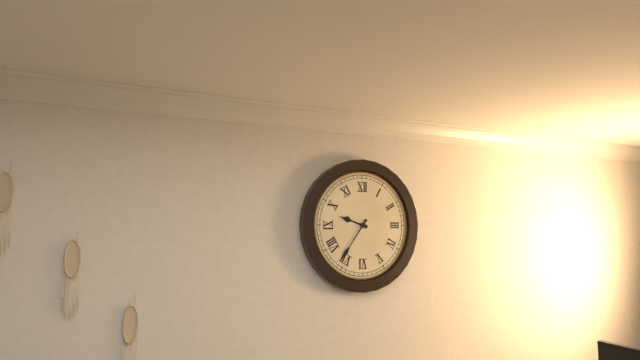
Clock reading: 9.36
